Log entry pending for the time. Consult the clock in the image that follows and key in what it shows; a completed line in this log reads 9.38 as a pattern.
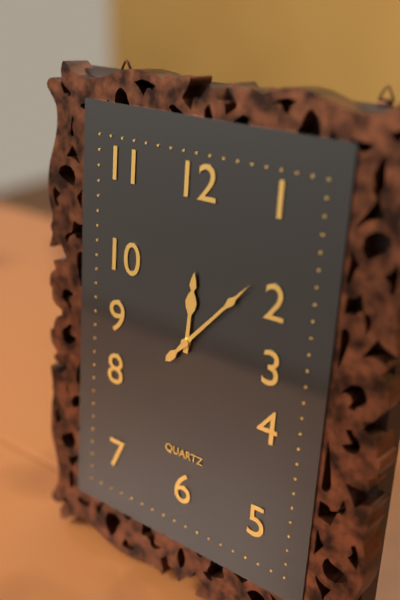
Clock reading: 12.07
